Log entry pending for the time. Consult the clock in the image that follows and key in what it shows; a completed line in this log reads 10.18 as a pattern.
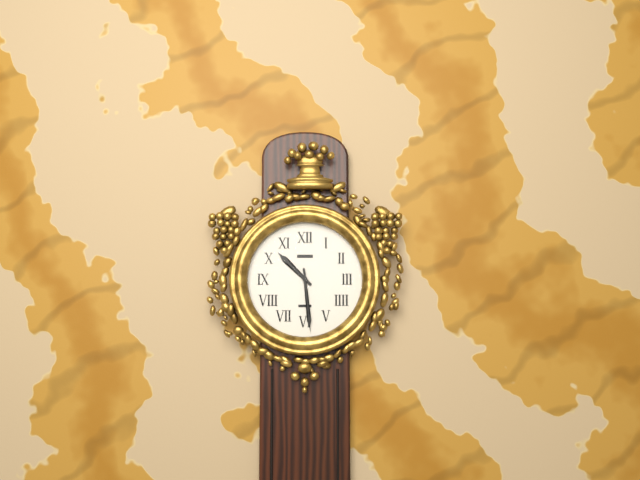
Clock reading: 10.29
